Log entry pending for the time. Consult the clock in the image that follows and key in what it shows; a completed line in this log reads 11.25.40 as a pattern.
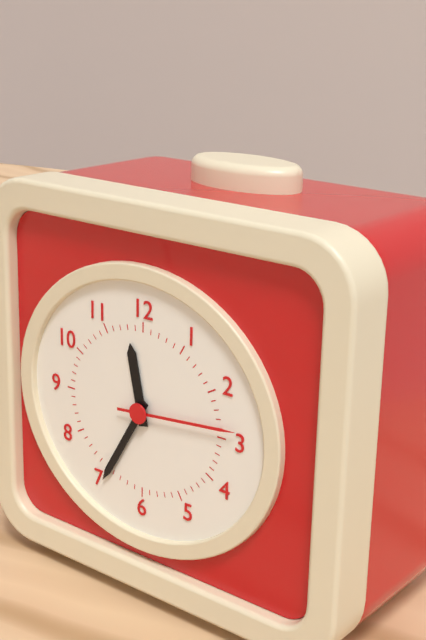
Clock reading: 11.35.14
